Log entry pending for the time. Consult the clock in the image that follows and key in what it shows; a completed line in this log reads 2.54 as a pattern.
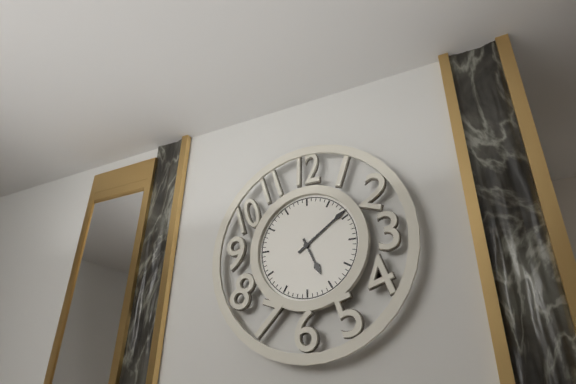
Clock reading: 5.09
